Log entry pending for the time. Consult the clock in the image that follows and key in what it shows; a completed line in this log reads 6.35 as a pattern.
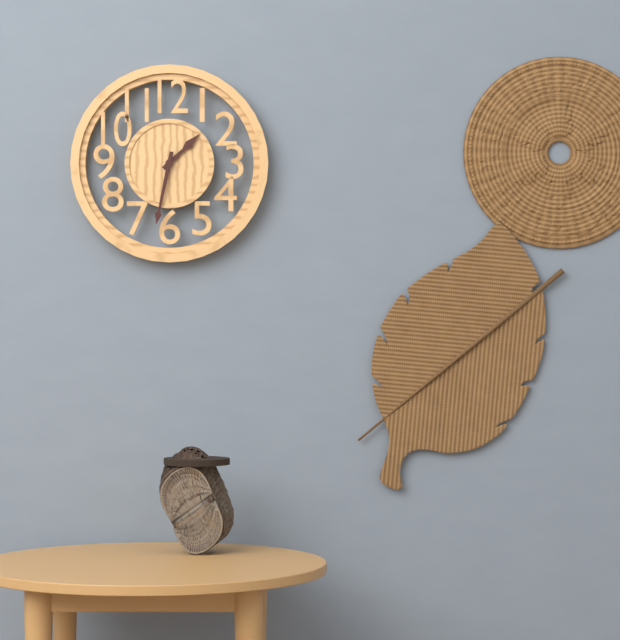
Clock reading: 1.32
